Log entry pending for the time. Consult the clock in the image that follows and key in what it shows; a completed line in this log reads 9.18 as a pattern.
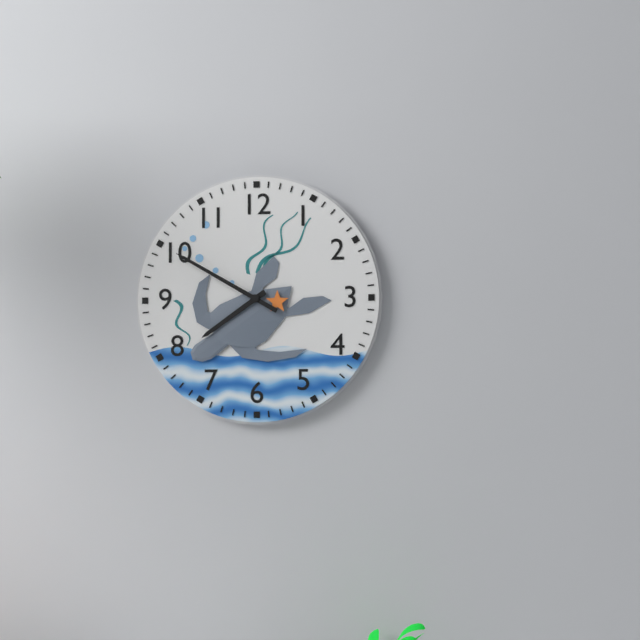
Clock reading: 7.50
